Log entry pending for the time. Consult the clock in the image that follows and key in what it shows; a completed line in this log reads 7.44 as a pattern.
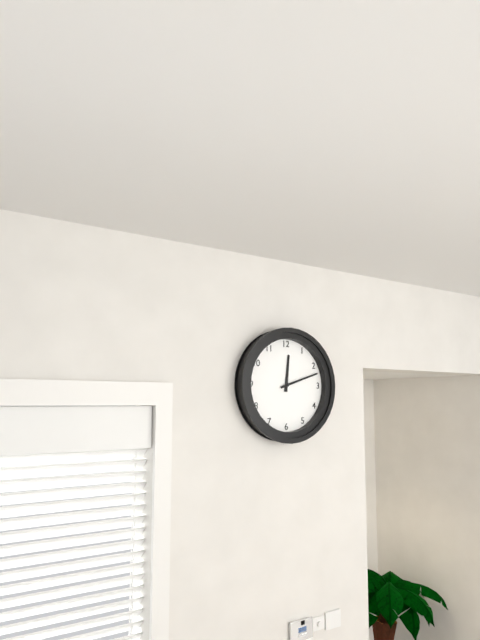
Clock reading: 12.12
